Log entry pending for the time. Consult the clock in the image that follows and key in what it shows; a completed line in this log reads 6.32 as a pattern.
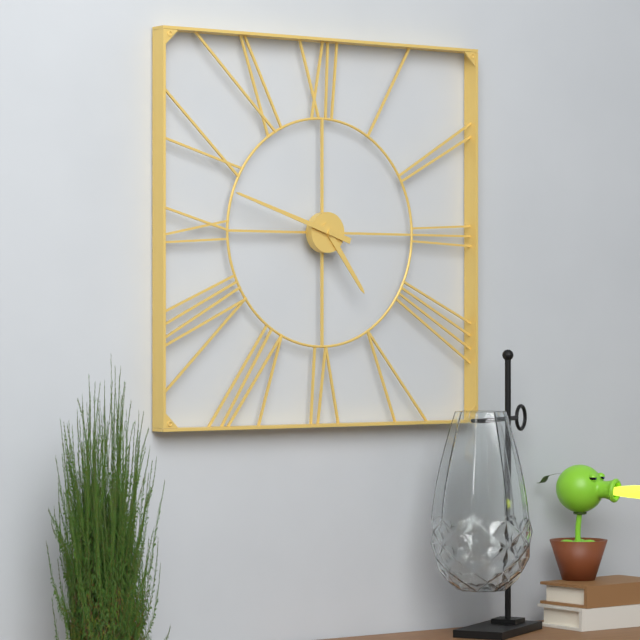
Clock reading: 4.48
